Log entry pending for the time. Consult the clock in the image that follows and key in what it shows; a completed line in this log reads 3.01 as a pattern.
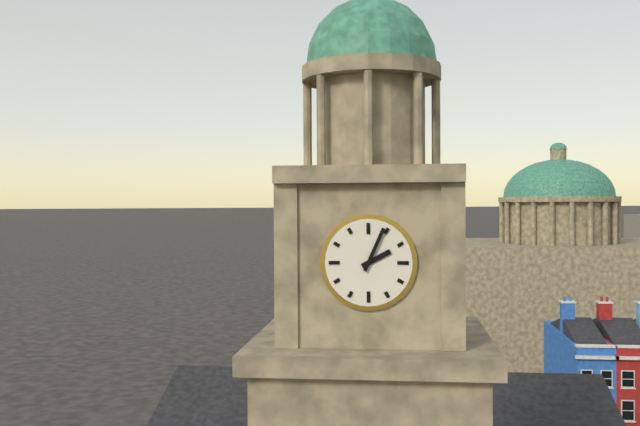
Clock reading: 2.04
